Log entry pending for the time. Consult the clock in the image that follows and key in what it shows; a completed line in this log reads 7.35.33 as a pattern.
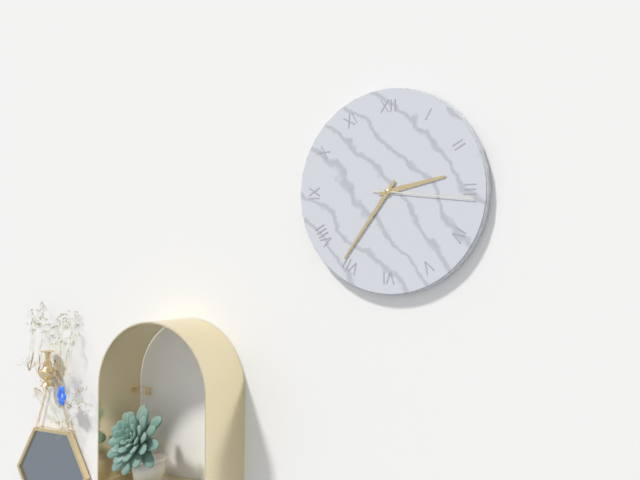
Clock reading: 2.36.16
